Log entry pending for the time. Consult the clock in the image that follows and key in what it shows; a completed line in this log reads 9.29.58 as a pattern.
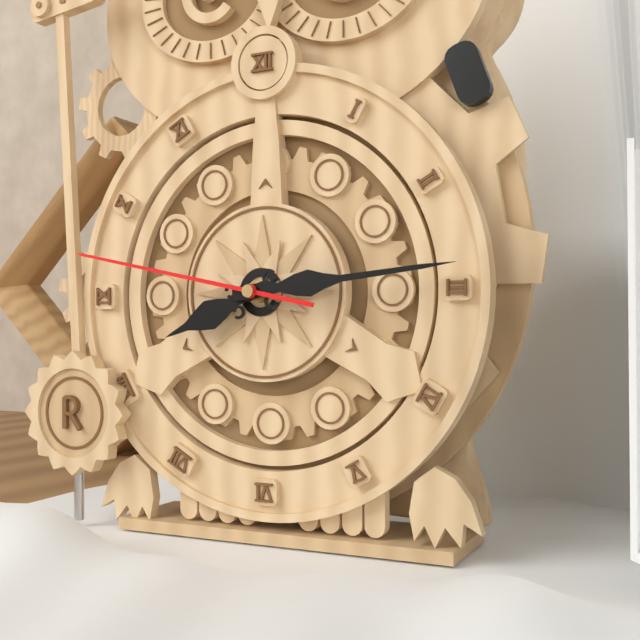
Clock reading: 8.14.47
